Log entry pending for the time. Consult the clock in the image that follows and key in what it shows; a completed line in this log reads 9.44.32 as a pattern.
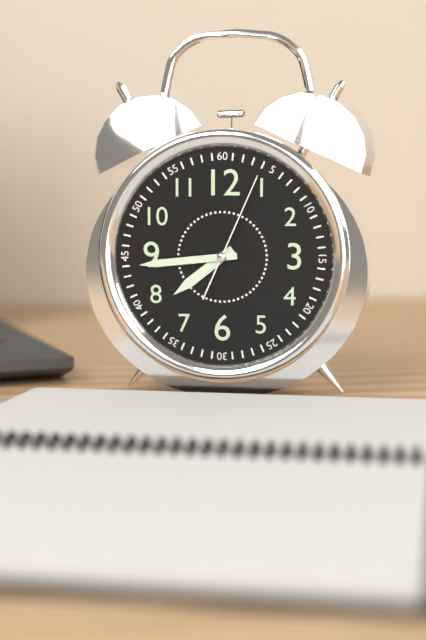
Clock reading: 7.44.04
